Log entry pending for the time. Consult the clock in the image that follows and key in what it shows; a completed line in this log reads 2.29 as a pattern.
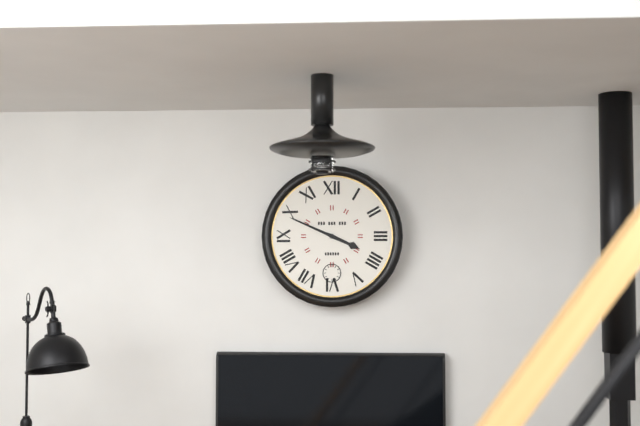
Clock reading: 3.49
